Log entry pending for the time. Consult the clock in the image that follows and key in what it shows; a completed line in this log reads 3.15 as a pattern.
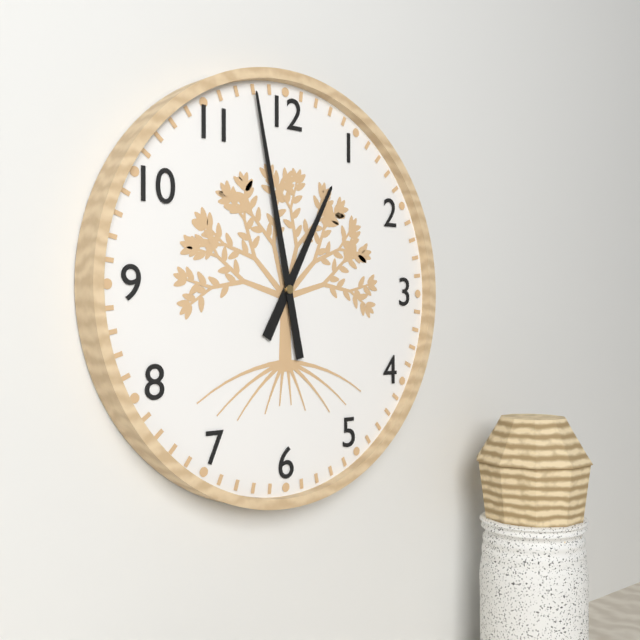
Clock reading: 12.58
